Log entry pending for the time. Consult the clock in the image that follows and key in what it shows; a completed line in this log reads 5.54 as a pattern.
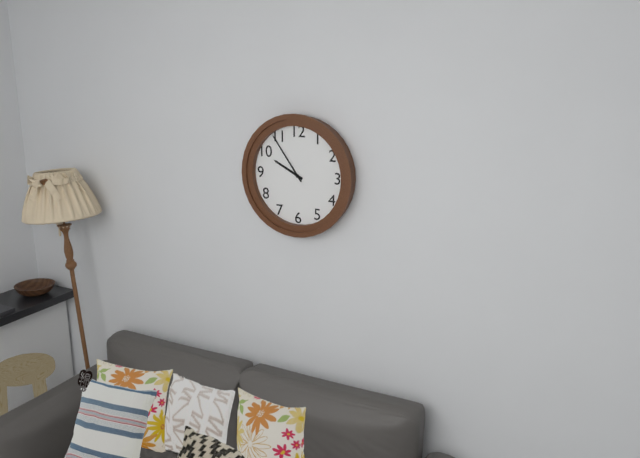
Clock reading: 9.54
